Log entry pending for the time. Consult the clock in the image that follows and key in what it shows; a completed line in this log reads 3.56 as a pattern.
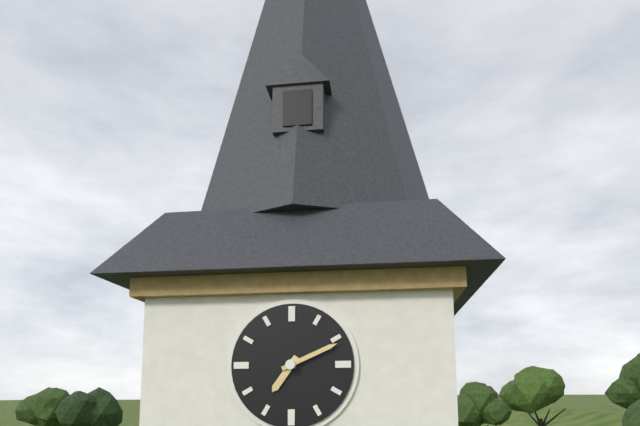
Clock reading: 7.11
